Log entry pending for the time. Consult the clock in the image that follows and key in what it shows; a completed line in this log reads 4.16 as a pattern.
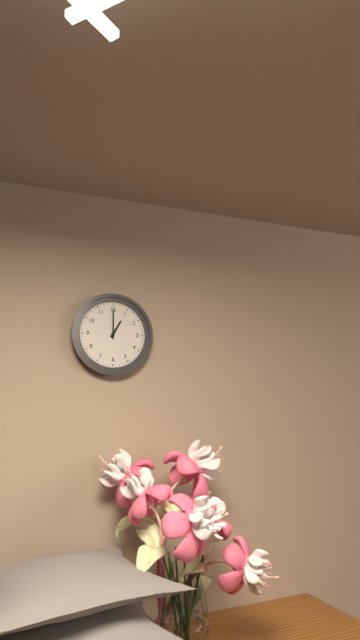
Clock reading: 1.00
